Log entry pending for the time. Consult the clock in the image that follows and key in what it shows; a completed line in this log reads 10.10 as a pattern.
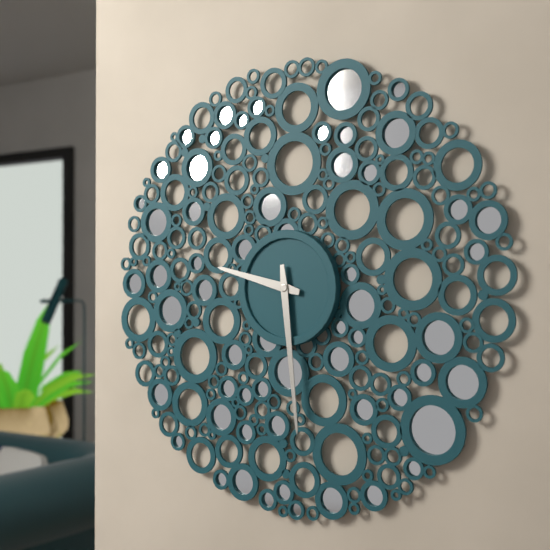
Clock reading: 9.29
